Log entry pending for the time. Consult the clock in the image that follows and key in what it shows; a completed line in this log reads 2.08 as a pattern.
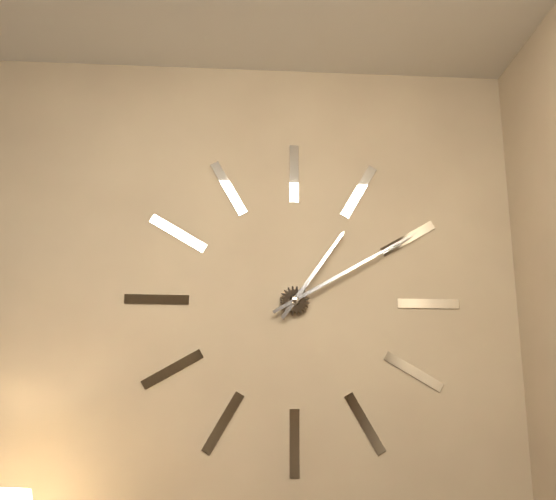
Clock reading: 1.10
